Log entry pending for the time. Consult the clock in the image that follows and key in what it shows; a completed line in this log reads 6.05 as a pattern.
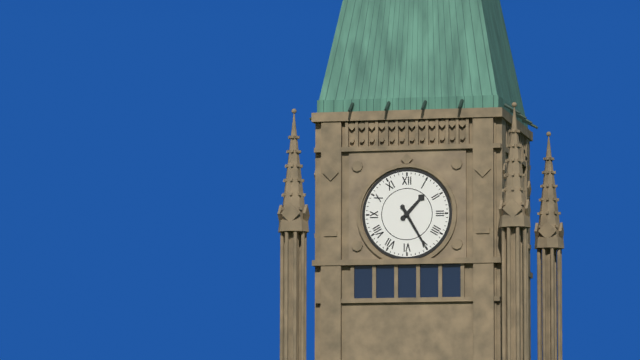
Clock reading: 1.25
